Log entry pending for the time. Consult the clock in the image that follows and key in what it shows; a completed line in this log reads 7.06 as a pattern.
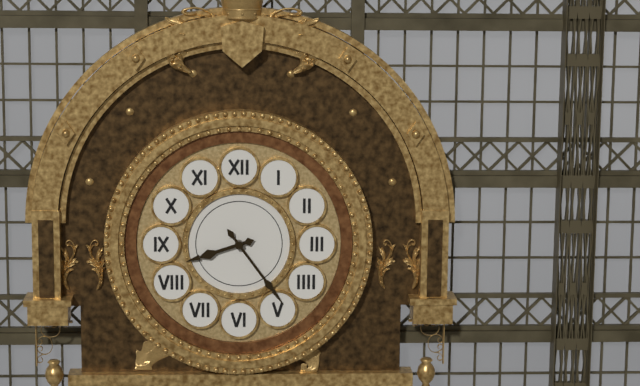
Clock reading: 8.24
